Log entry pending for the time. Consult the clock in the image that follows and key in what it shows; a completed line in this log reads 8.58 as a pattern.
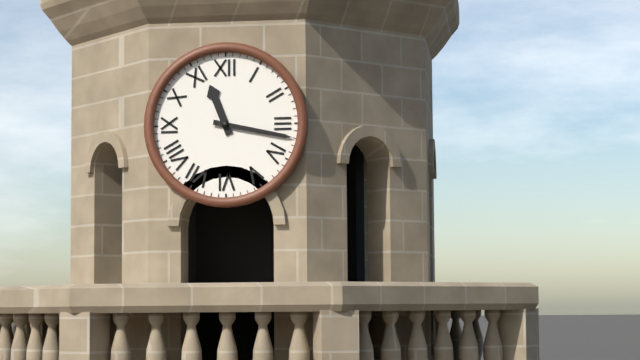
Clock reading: 11.17
